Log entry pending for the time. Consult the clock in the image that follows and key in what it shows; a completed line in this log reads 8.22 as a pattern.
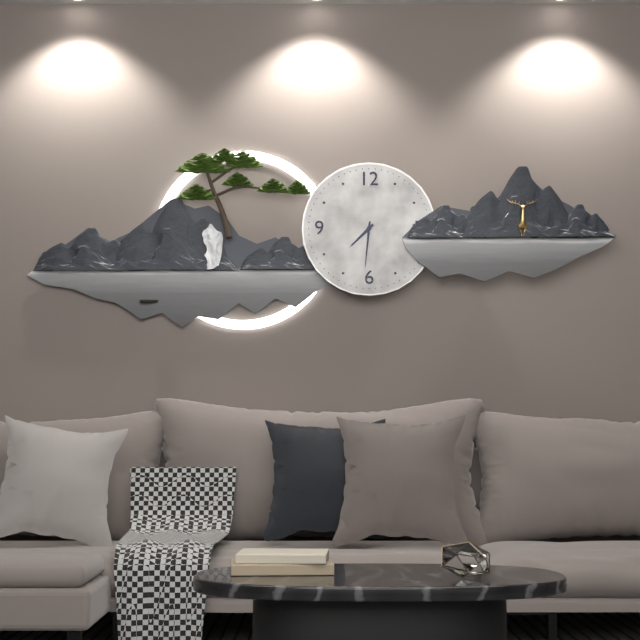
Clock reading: 7.31
